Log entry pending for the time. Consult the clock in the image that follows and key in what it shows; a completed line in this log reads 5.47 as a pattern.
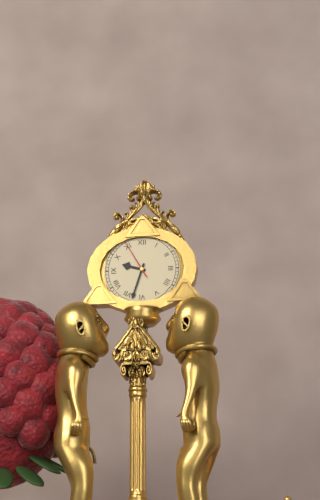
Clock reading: 9.33
